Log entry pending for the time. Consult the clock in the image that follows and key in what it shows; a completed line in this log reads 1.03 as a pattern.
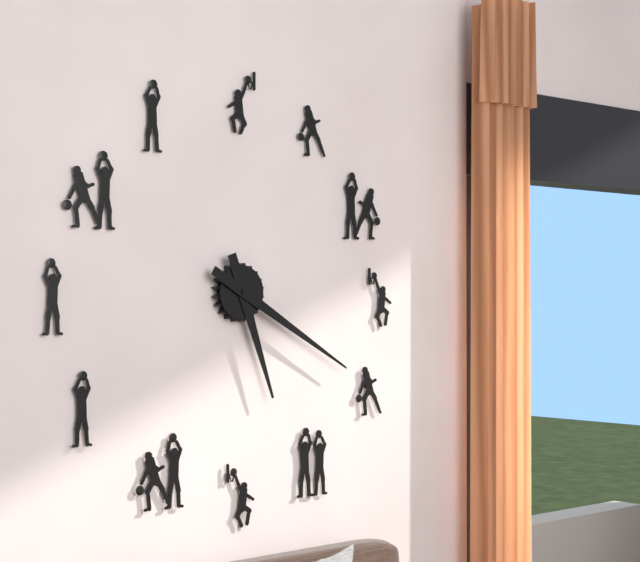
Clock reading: 5.20
